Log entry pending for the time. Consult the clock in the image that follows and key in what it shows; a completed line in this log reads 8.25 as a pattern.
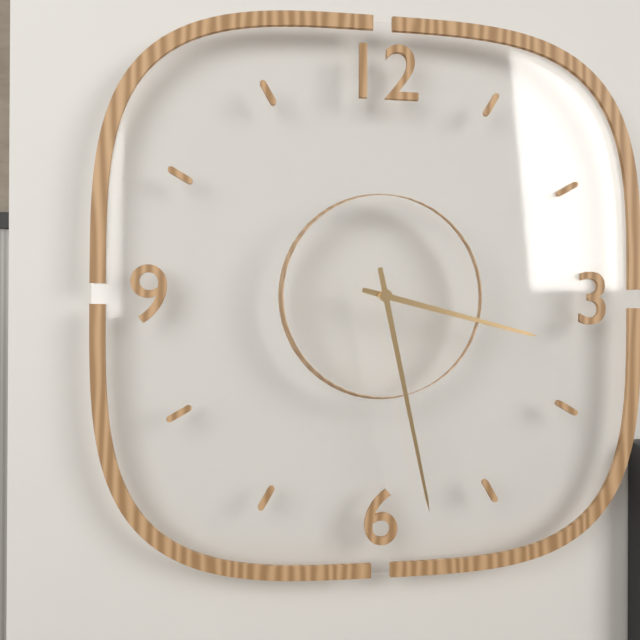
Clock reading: 3.28
